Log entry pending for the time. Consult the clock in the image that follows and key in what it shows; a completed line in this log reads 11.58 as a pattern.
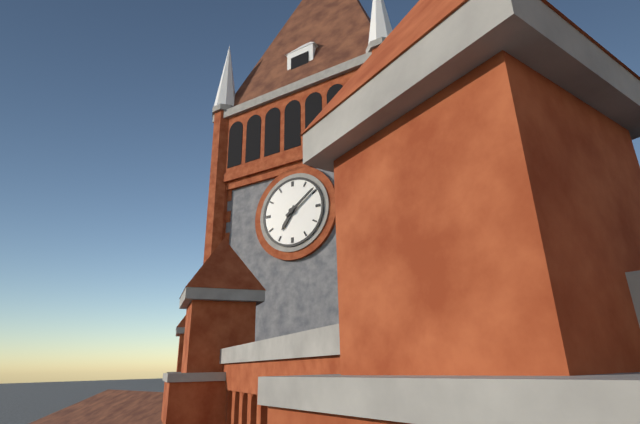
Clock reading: 7.09
